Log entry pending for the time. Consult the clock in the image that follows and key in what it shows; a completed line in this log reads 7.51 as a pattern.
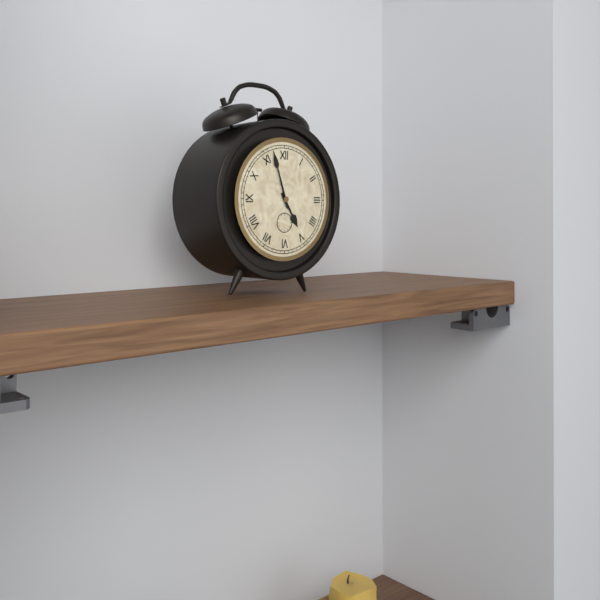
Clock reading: 4.57
